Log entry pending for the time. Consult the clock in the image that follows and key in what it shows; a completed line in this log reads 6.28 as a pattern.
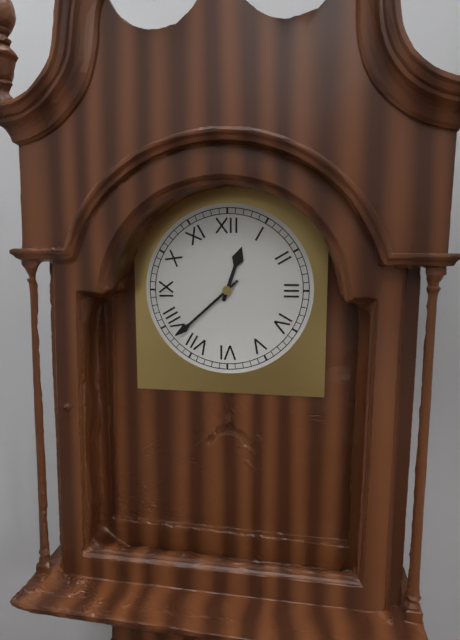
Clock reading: 12.38
